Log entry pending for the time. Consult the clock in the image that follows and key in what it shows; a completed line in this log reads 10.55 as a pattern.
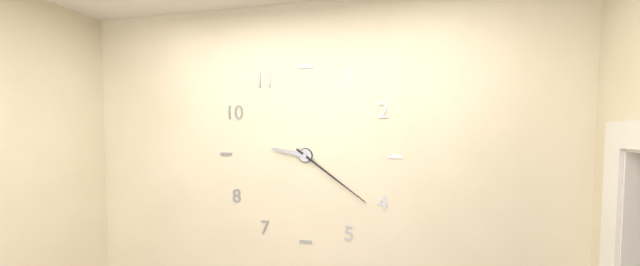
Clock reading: 9.21
